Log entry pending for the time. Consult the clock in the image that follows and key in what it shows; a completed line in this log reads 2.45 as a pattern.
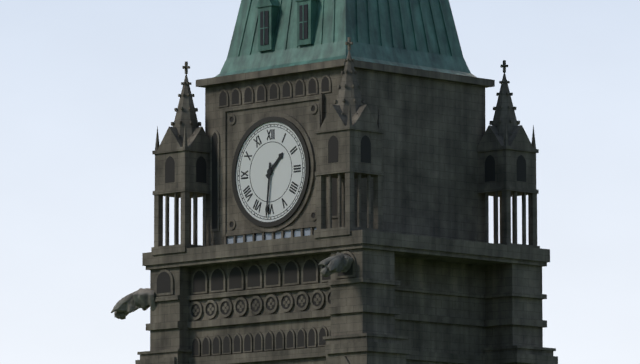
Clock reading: 1.31
